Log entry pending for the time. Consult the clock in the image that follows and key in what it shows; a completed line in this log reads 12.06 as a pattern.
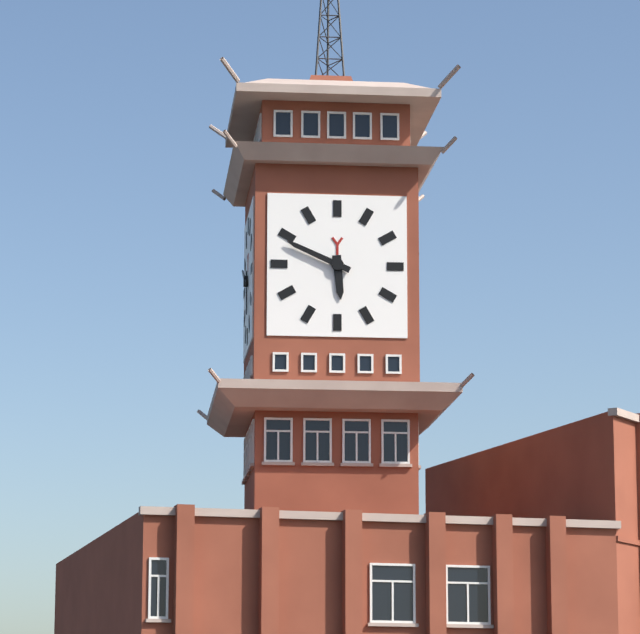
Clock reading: 5.49
